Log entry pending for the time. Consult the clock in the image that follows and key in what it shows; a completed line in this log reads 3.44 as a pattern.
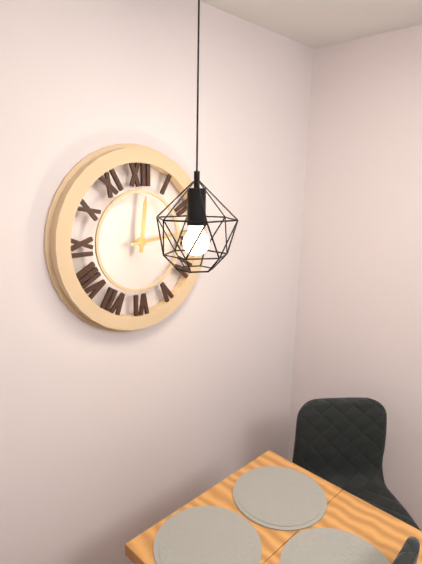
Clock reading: 12.14
